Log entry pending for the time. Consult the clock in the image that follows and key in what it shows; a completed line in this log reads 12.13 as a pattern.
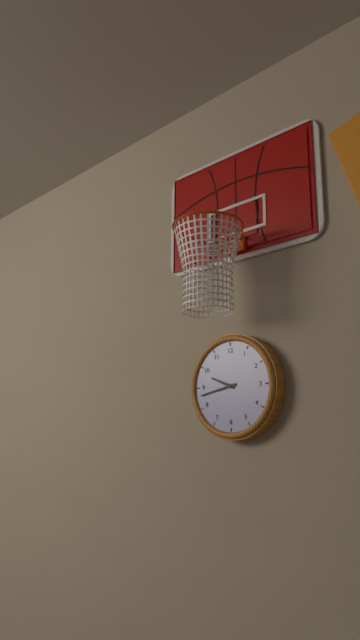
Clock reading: 9.43
